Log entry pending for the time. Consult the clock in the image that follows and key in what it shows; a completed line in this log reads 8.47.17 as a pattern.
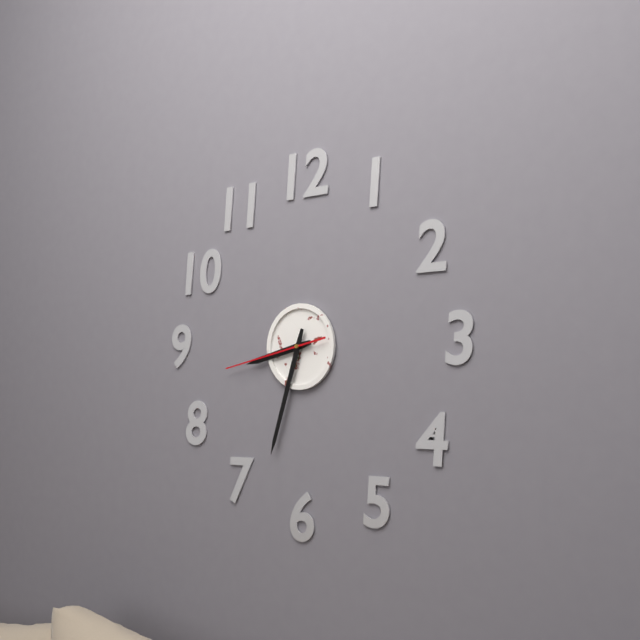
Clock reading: 8.33.43
